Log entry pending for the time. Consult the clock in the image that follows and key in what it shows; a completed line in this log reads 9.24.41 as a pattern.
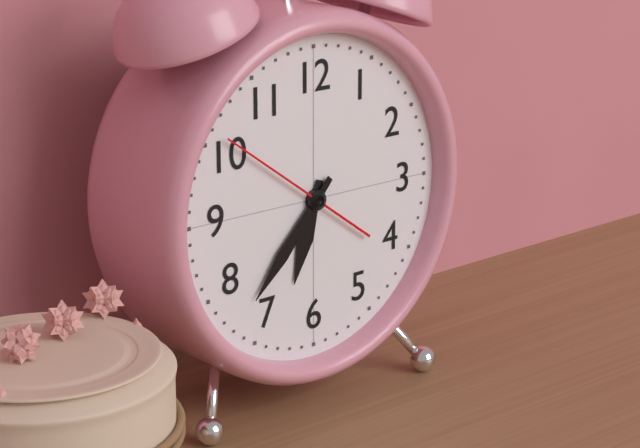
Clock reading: 6.37.51
